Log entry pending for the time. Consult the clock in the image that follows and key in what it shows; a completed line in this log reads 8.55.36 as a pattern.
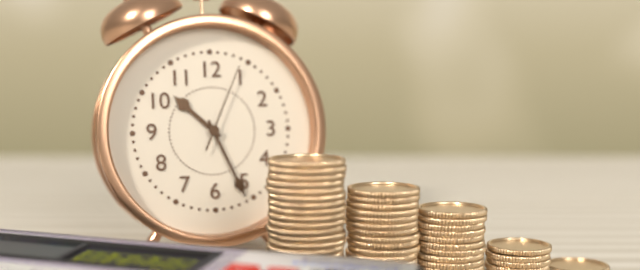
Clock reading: 10.26.04
